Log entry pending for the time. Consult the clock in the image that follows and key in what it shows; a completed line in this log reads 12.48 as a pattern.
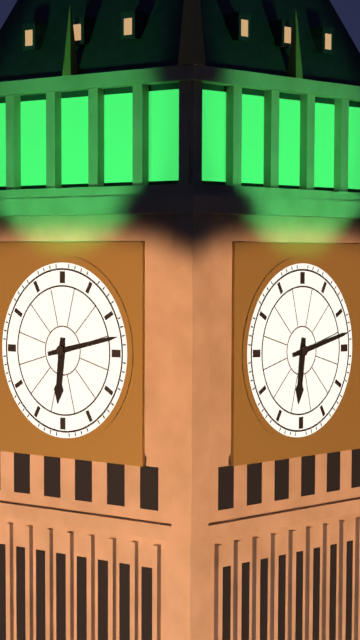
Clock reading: 6.13
